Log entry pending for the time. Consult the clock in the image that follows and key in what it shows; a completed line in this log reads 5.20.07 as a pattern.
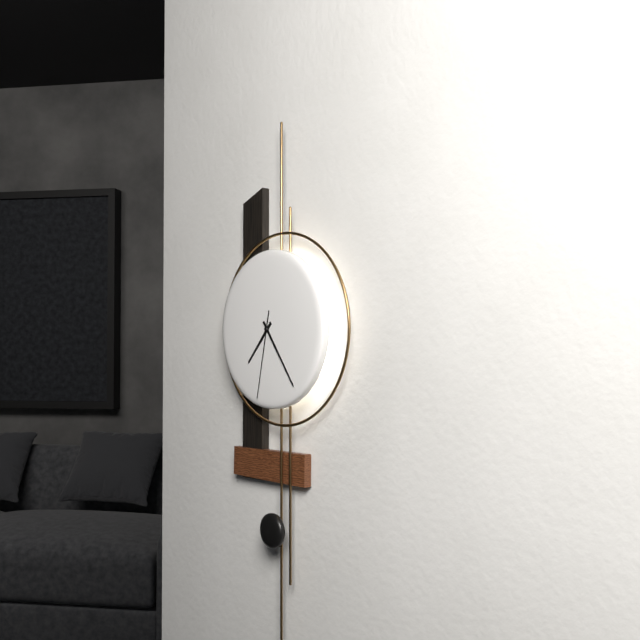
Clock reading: 7.24.32
